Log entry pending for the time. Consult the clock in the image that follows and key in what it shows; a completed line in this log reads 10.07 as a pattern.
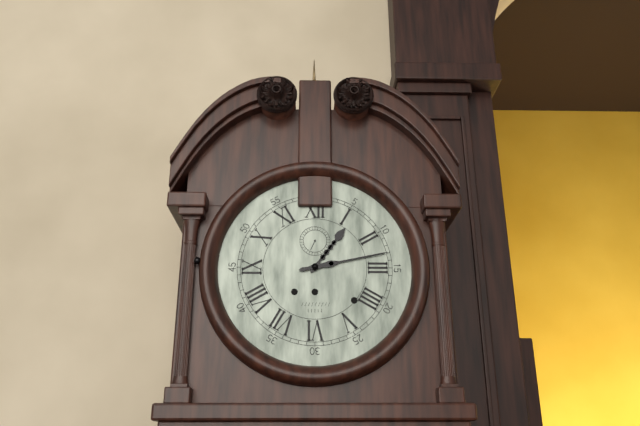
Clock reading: 1.13
